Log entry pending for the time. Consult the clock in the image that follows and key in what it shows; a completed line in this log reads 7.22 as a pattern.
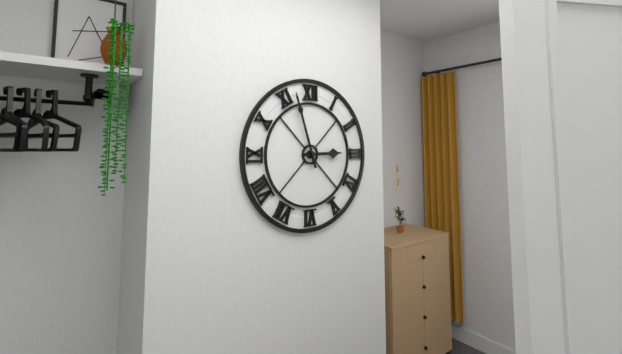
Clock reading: 2.57
